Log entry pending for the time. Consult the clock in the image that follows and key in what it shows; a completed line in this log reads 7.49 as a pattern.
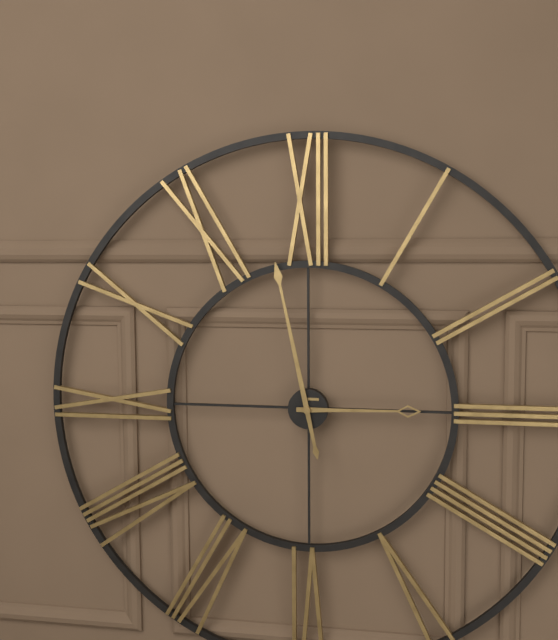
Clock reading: 2.58
